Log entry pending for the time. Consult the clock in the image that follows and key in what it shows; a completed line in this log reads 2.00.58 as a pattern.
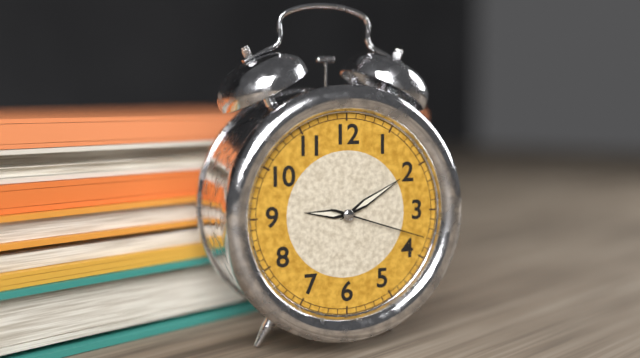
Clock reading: 9.10.18
